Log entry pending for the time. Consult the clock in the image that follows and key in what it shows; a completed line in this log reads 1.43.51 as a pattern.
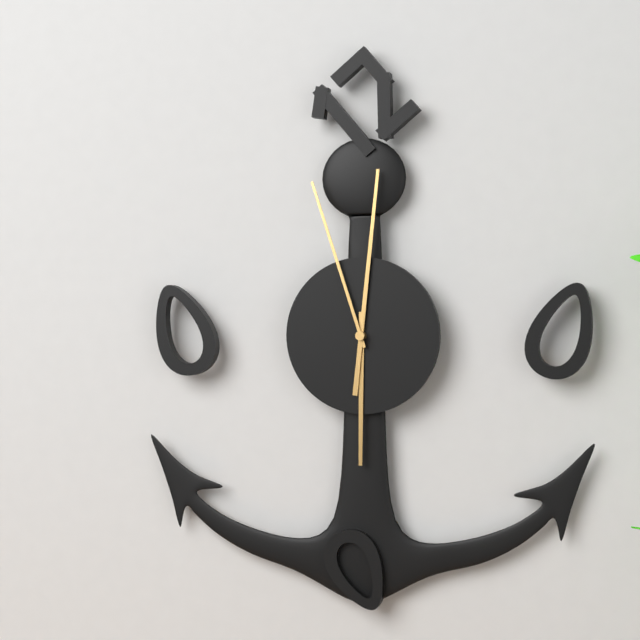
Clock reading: 6.01.57
